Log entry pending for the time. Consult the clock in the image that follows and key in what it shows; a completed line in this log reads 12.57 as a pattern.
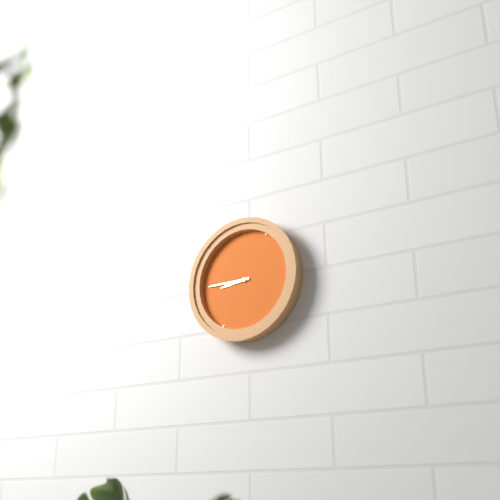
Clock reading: 8.45
